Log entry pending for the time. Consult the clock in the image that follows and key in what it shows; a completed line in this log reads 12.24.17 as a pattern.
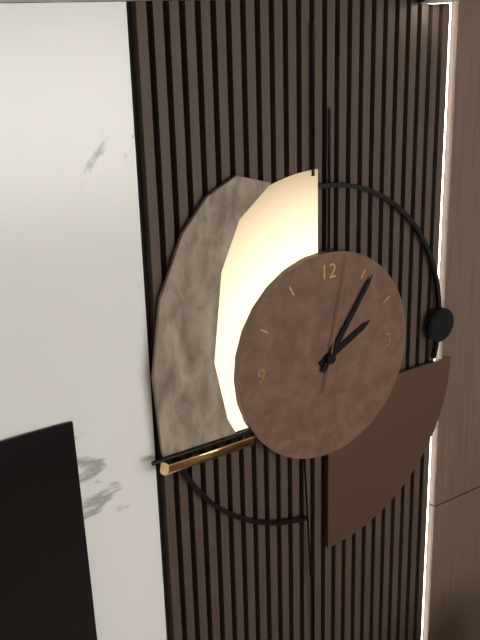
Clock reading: 2.06.02
